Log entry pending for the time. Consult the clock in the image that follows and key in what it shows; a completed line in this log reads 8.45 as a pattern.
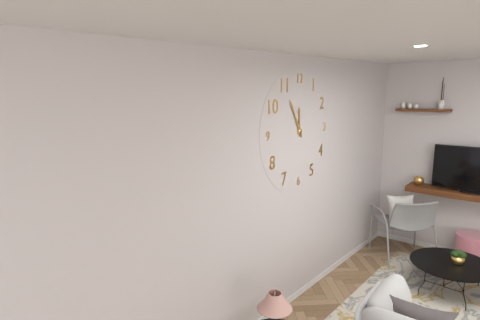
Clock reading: 11.55
